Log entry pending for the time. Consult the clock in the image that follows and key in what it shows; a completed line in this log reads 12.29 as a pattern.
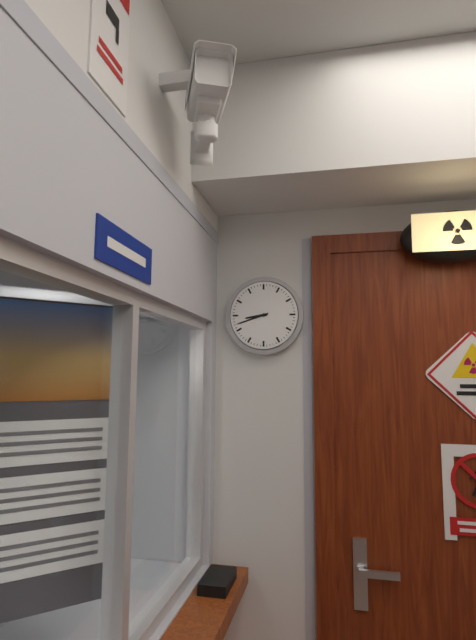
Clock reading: 8.42
